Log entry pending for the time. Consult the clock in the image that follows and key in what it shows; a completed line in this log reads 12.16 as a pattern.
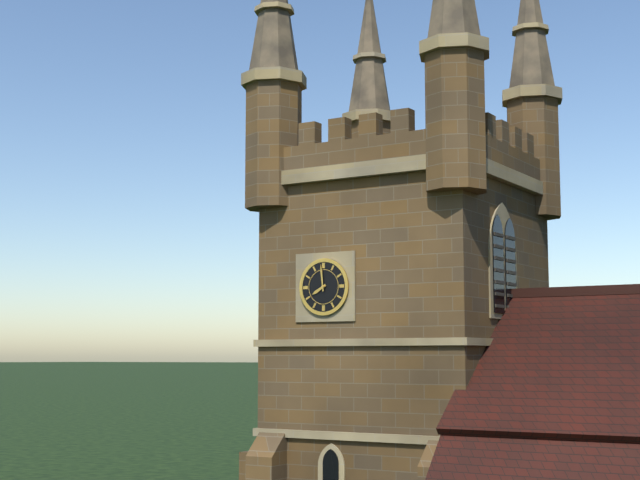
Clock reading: 7.59
